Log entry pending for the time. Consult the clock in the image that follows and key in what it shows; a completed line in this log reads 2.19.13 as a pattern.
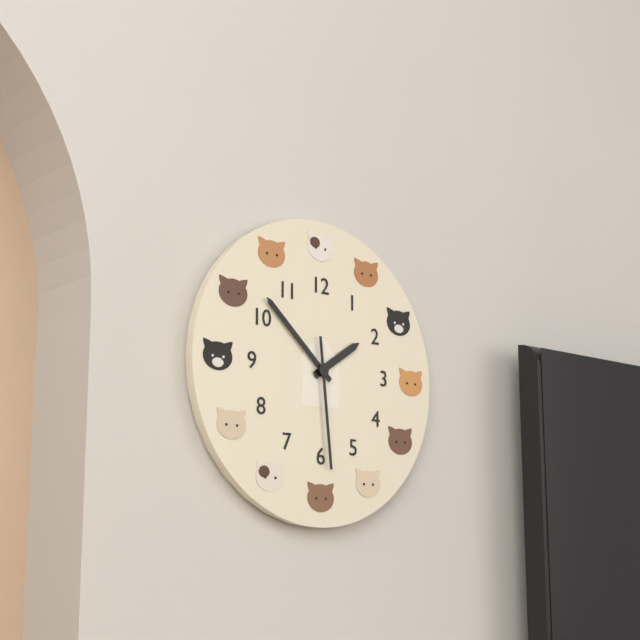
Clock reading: 1.52.29
